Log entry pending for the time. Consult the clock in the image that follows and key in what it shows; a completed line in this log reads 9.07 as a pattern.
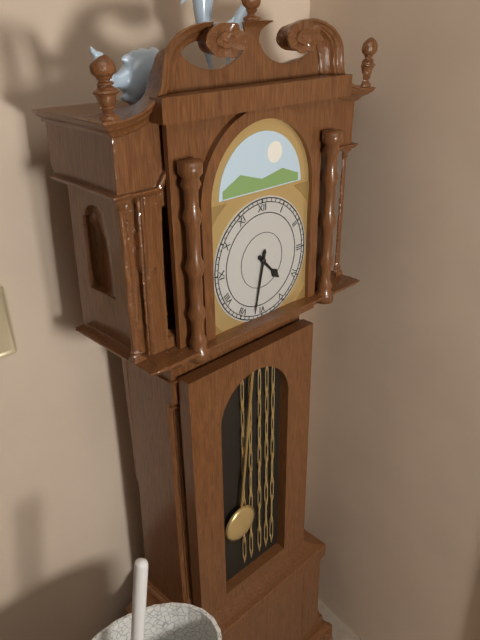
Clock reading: 4.32
